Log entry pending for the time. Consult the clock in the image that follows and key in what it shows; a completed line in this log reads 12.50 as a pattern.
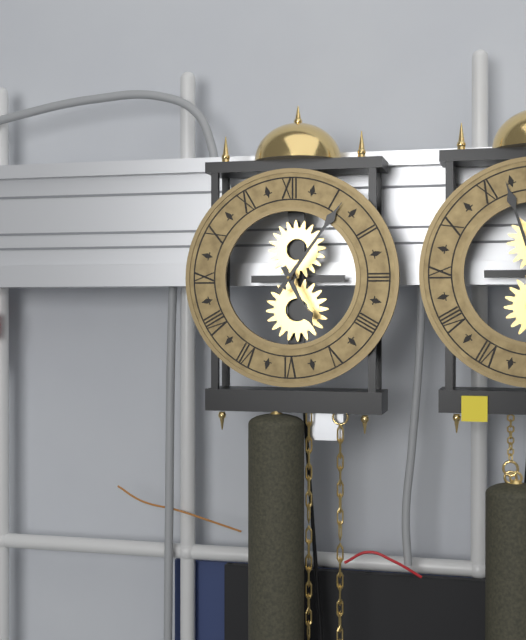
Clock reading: 5.06
